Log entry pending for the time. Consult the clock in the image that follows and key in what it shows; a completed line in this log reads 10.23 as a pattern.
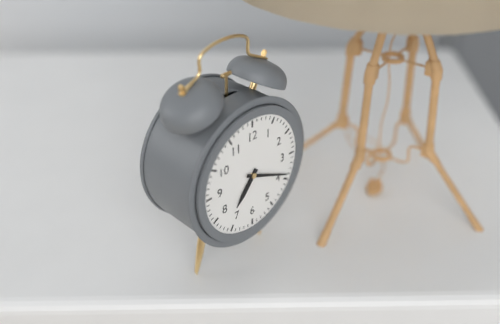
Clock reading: 7.19
